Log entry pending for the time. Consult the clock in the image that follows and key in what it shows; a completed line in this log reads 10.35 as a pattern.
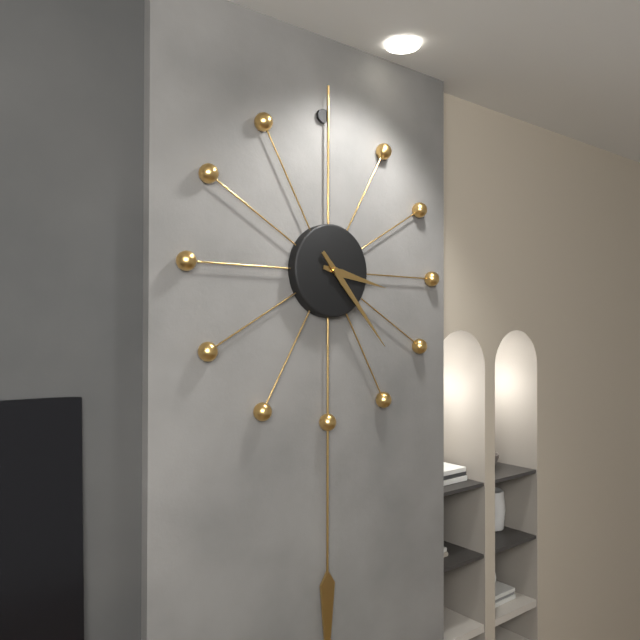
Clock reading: 3.23
